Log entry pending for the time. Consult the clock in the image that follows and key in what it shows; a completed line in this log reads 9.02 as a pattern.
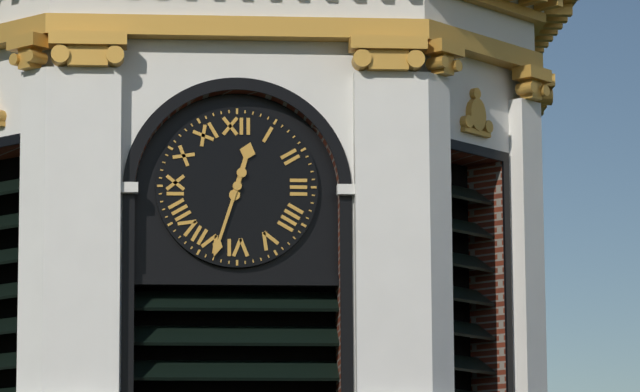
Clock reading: 12.33
